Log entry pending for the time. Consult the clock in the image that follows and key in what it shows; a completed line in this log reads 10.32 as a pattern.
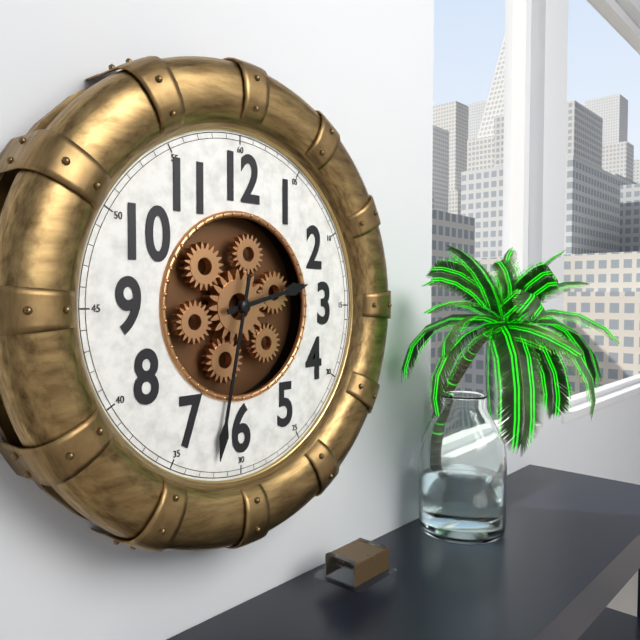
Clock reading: 2.32
